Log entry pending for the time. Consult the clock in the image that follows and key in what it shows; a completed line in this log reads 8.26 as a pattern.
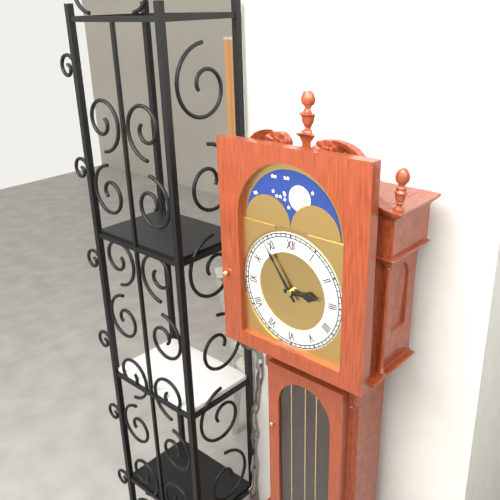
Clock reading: 2.54
